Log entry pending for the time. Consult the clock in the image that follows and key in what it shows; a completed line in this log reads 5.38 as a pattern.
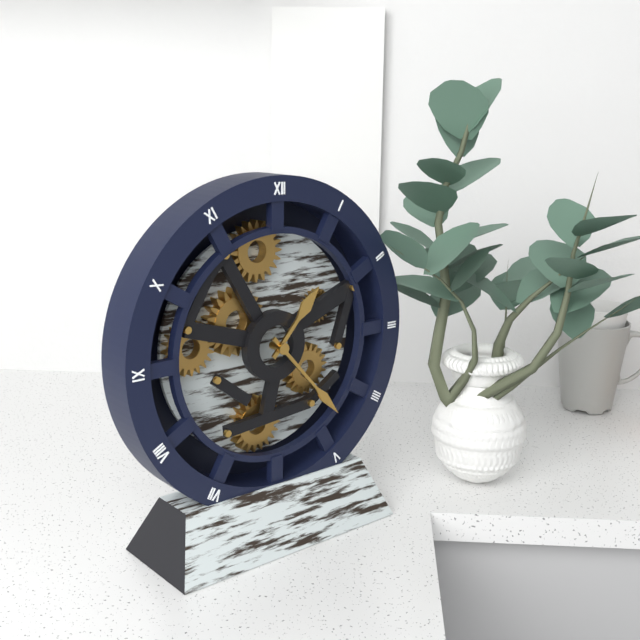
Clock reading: 1.23
